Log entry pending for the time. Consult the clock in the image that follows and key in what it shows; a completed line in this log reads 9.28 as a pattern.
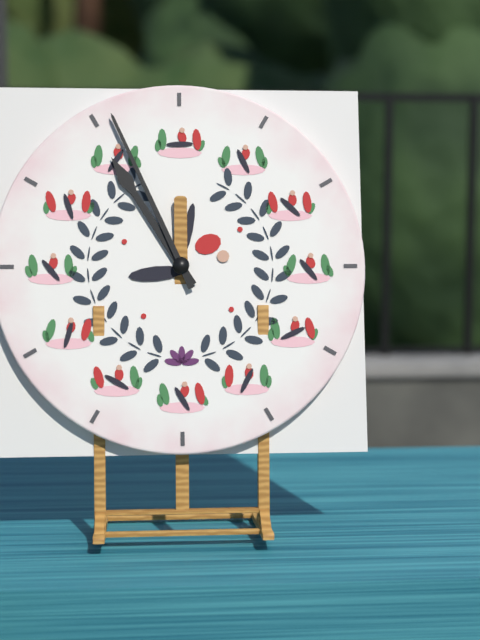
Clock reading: 10.56
